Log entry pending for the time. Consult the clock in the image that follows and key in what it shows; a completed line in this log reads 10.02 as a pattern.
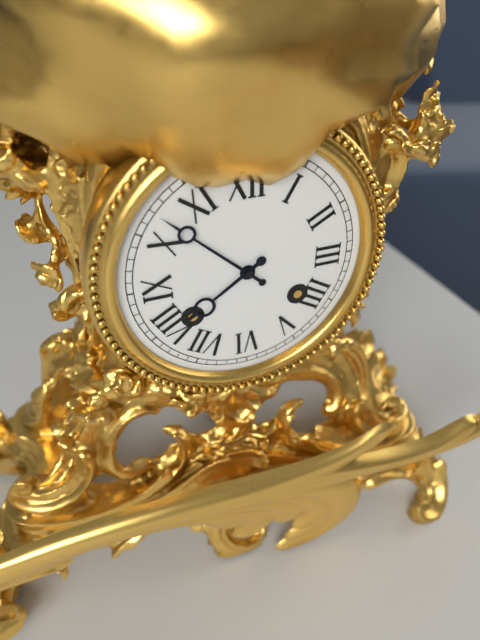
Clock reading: 7.52
